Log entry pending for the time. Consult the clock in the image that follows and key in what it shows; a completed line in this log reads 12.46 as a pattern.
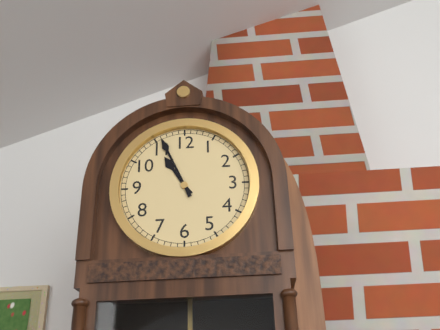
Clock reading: 10.56
